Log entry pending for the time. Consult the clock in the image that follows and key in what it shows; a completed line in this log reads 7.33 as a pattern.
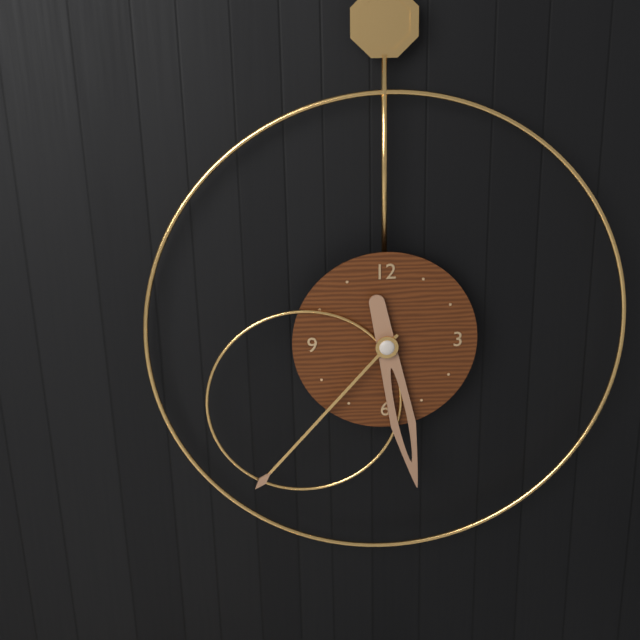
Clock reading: 5.37
